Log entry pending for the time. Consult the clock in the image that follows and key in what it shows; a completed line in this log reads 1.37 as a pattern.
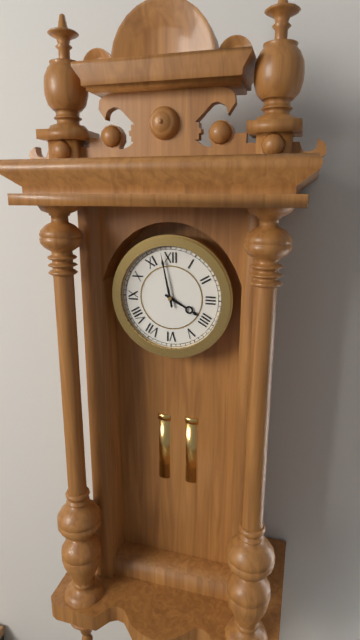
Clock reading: 3.58
